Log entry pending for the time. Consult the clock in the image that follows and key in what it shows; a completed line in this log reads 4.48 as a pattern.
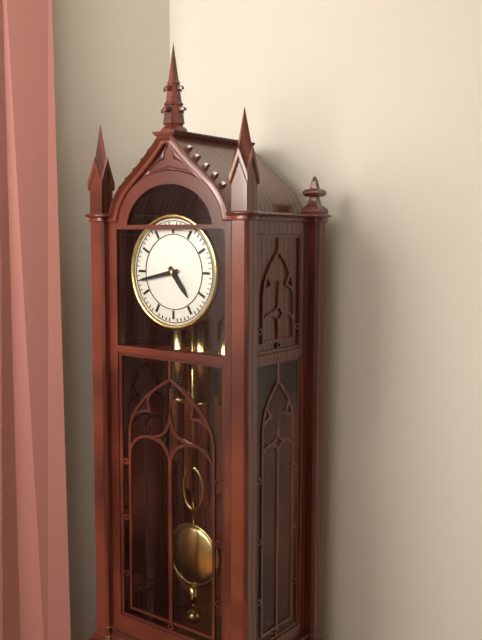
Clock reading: 4.43
